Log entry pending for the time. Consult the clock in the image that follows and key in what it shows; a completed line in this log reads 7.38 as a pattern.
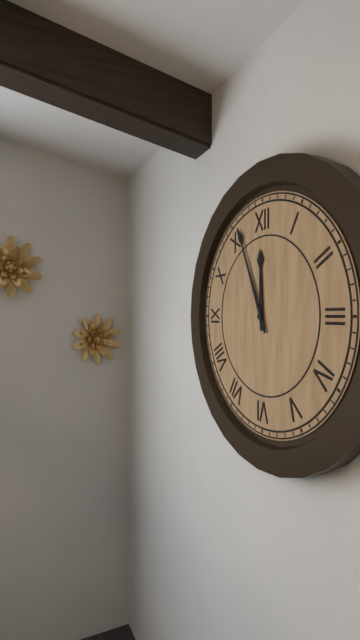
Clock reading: 11.56
